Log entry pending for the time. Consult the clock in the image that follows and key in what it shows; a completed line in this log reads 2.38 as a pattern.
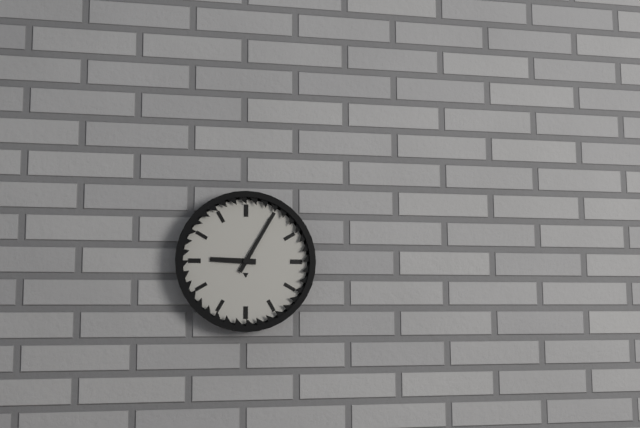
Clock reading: 9.05
